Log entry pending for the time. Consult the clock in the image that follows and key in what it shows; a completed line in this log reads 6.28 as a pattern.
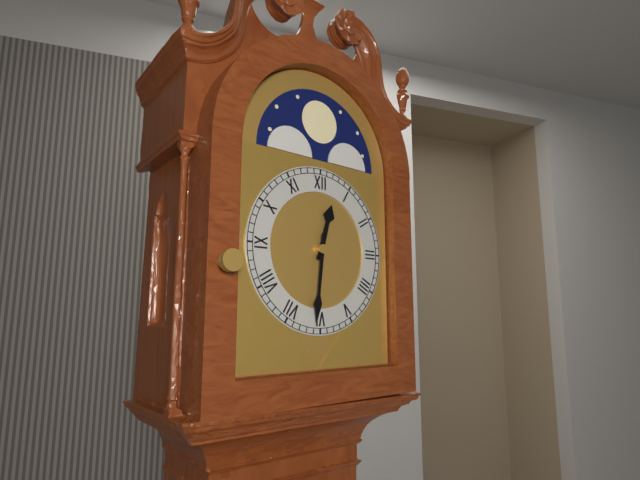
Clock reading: 12.31
